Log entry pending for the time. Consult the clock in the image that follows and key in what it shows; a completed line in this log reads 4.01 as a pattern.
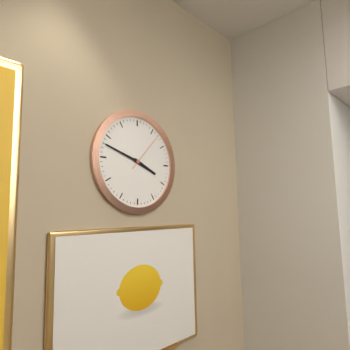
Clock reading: 3.48
